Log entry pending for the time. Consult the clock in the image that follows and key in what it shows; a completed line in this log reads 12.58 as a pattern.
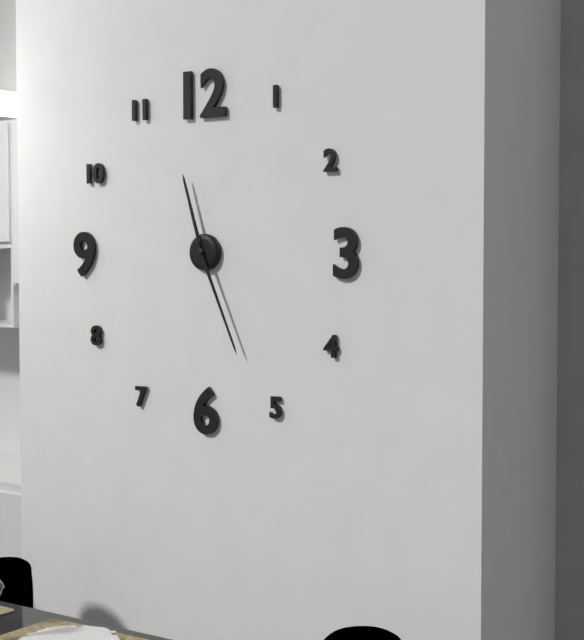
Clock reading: 11.26
